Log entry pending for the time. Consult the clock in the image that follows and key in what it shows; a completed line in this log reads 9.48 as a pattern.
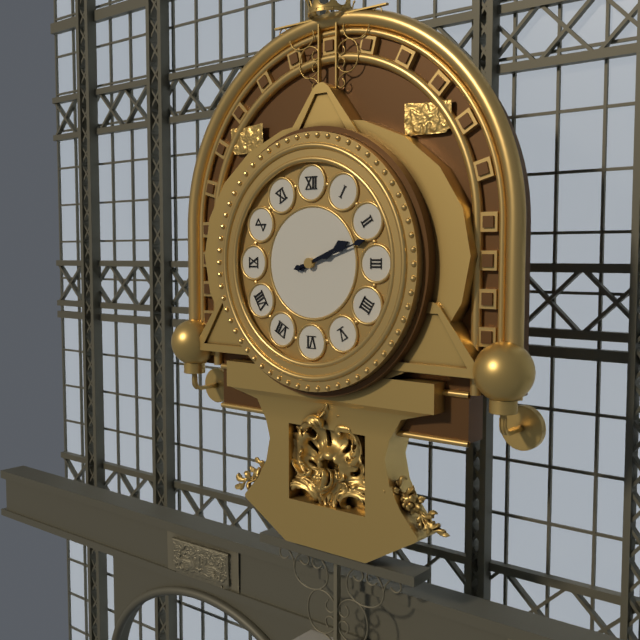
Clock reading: 2.12
